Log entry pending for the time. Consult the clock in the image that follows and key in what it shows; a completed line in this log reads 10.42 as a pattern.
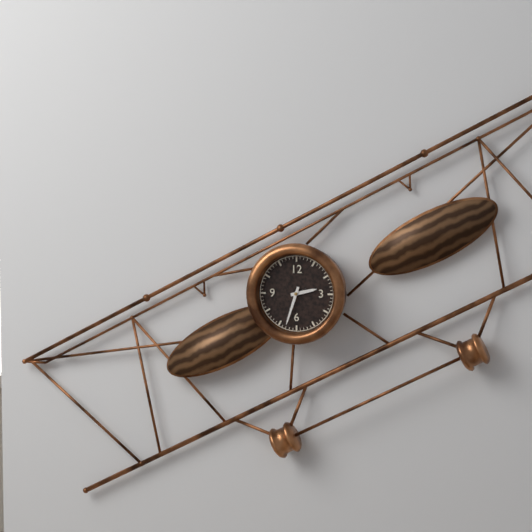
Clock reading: 2.33
